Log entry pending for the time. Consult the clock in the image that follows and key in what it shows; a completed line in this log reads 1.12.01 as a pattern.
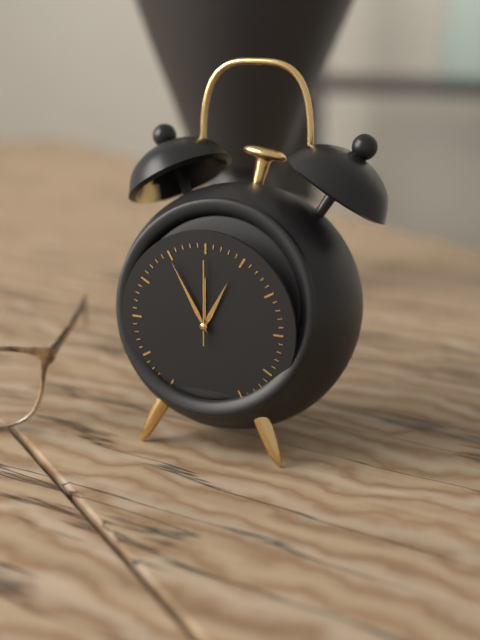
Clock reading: 12.55.00
